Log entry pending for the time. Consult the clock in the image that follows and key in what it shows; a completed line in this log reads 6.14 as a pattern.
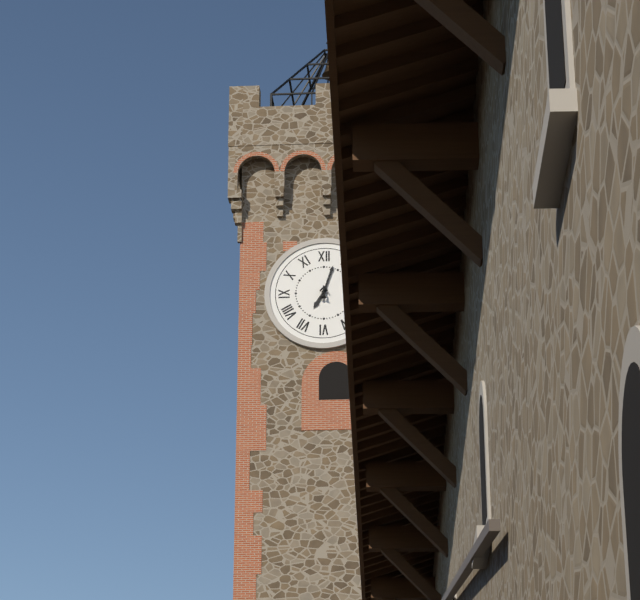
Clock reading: 7.03
